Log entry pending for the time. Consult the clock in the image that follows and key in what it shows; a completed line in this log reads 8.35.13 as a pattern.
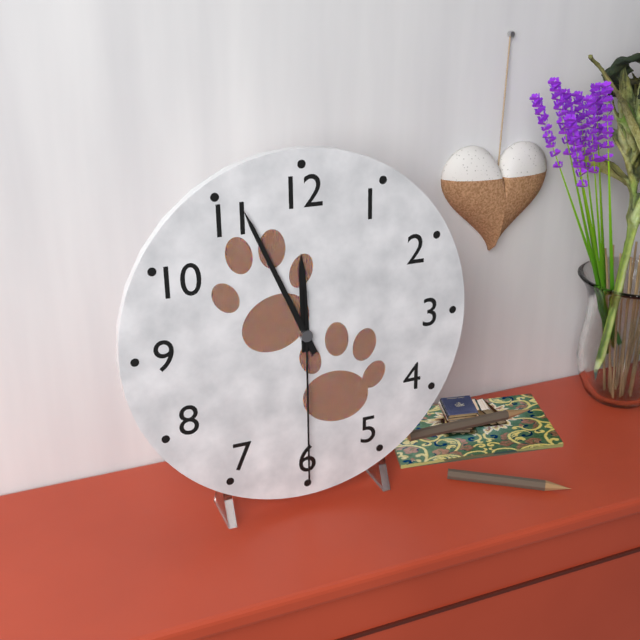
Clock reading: 11.56.30
